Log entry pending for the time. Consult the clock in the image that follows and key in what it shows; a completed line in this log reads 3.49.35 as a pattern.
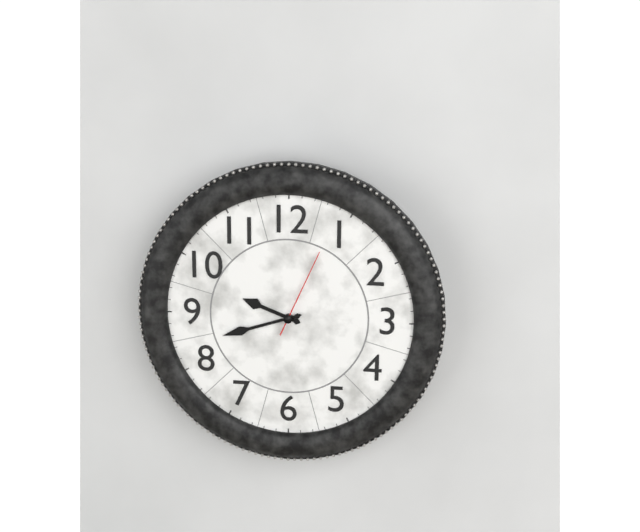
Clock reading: 9.42.04
